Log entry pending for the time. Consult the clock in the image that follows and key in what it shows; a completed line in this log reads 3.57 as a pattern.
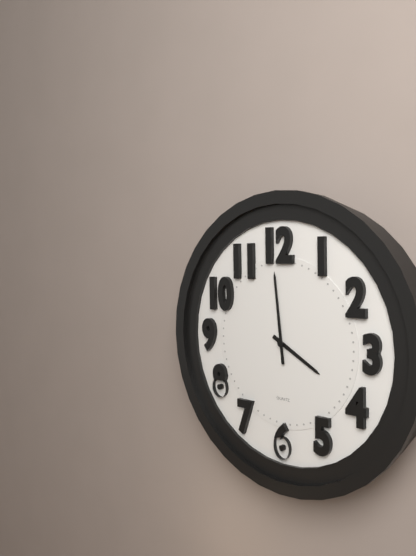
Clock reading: 3.59
